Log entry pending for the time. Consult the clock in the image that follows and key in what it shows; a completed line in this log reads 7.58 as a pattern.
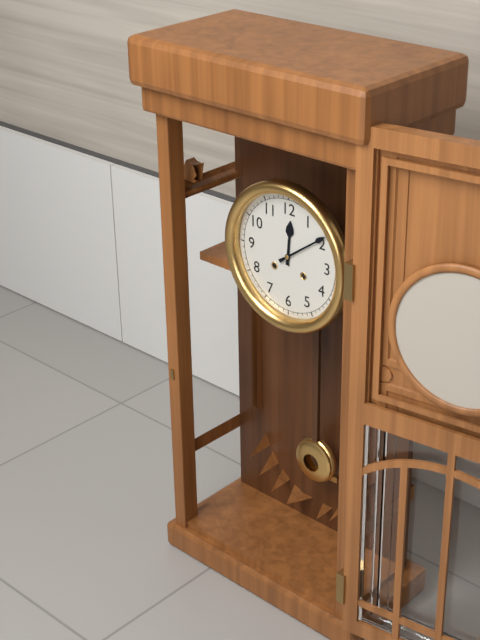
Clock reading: 12.09
